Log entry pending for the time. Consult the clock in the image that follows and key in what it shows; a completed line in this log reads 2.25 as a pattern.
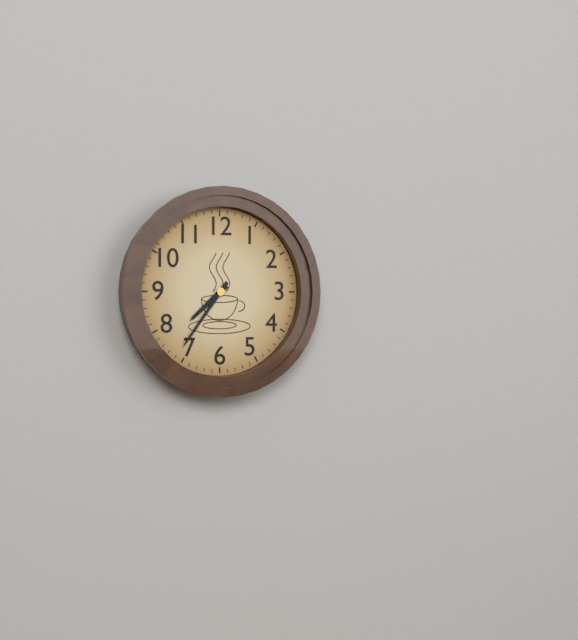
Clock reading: 7.36
